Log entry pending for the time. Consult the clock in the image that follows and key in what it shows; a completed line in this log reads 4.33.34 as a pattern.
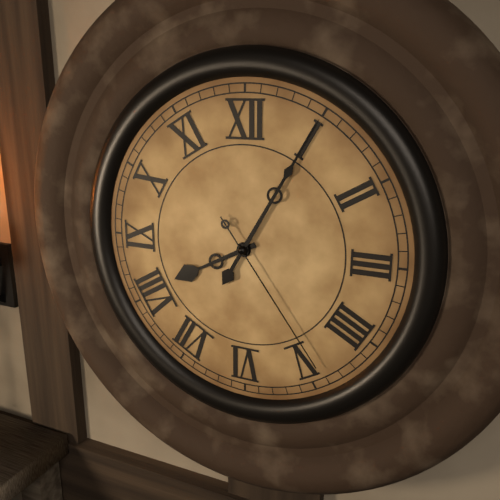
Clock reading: 8.05.24
